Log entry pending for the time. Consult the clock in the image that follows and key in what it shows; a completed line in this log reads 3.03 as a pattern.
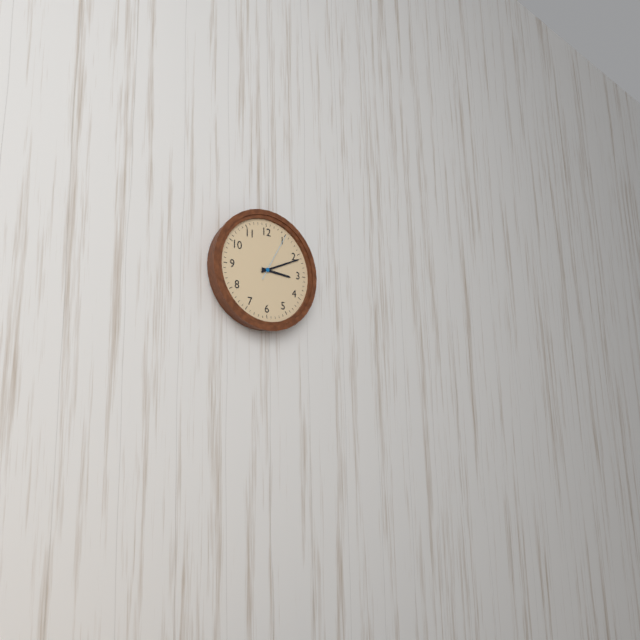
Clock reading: 3.11
